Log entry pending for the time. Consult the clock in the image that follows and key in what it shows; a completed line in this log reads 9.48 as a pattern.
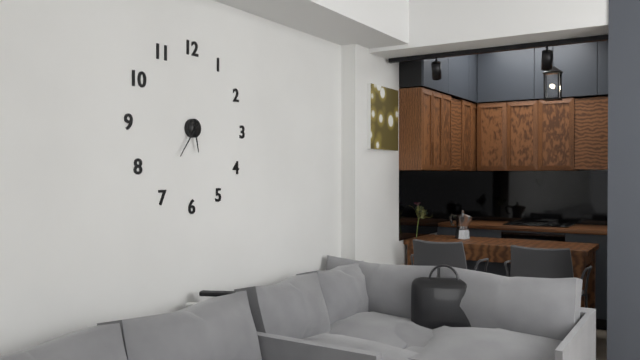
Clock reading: 5.36
